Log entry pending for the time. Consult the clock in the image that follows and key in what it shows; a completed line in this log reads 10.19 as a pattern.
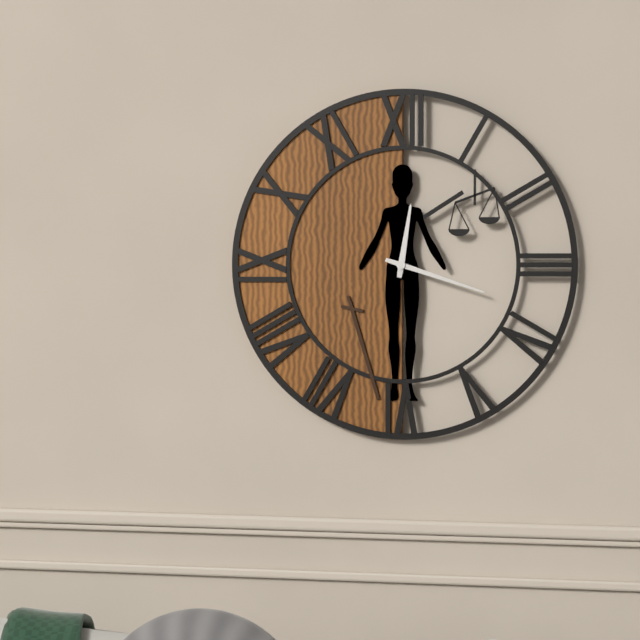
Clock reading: 12.18
